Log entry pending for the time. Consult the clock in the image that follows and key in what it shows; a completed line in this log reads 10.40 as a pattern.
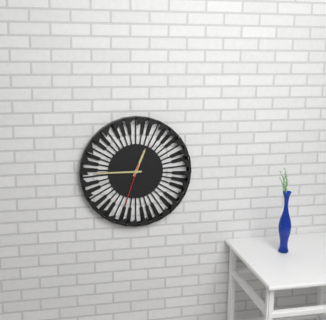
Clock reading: 12.45
